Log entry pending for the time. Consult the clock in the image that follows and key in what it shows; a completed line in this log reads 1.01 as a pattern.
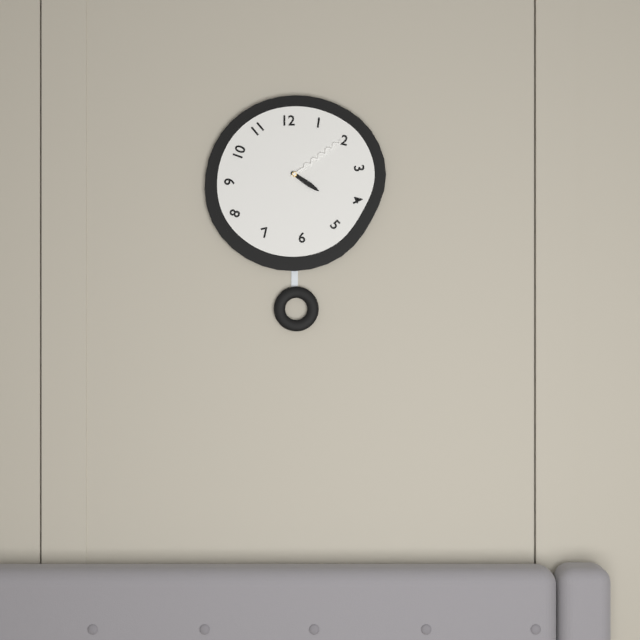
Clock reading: 4.09
